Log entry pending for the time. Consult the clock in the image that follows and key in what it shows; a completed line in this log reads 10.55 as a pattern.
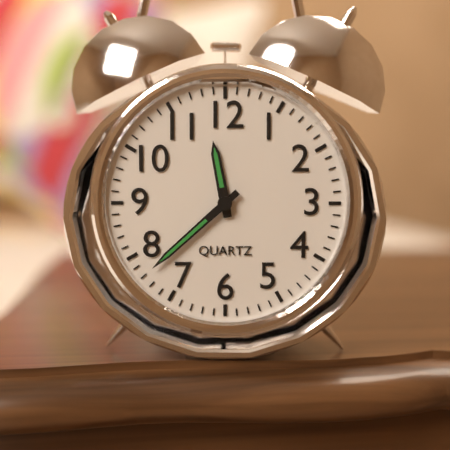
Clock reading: 11.38
